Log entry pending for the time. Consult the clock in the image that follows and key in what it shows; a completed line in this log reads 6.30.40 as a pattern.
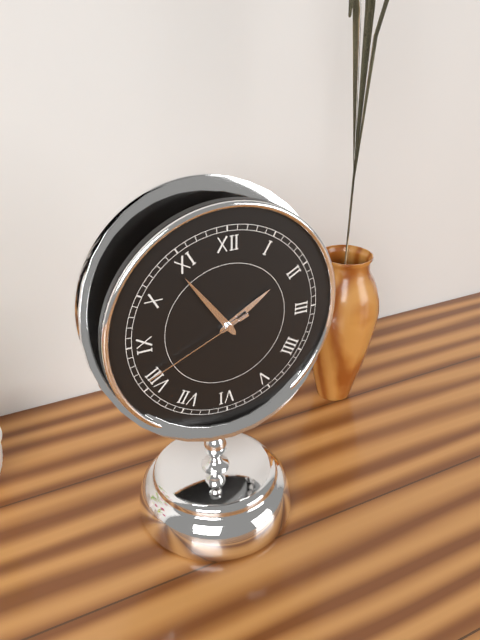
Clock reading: 1.54.41
